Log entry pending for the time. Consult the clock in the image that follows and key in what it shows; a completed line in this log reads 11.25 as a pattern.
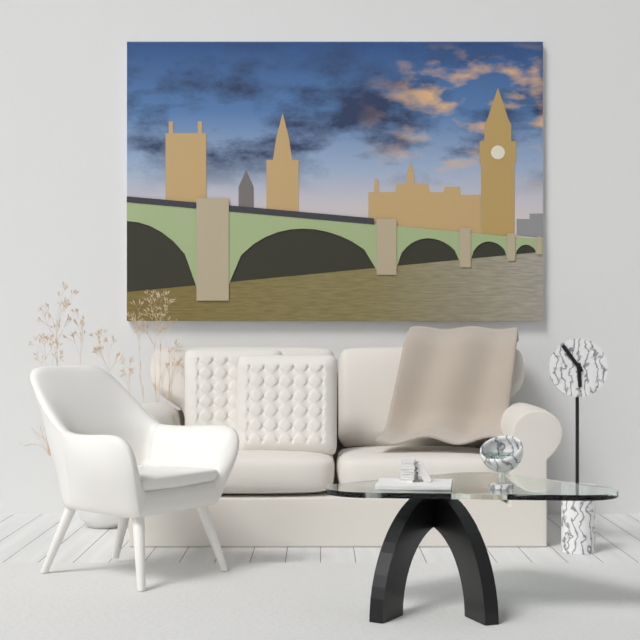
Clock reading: 5.54
